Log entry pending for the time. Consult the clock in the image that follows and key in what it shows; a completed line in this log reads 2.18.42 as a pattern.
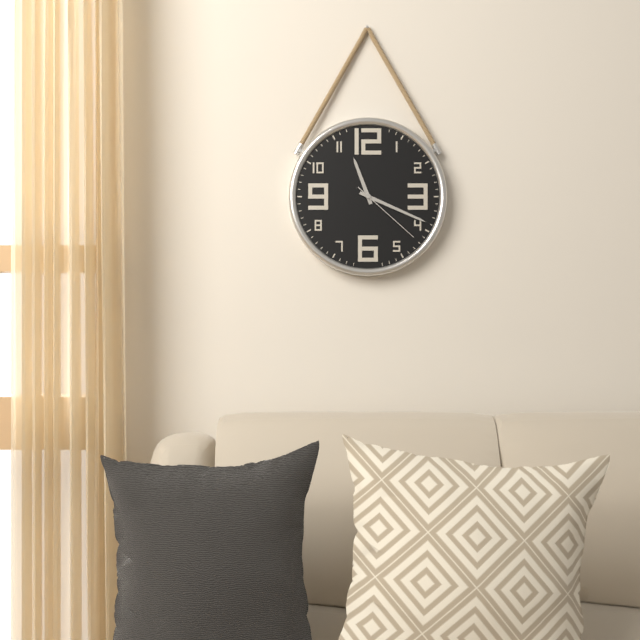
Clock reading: 11.19.22
